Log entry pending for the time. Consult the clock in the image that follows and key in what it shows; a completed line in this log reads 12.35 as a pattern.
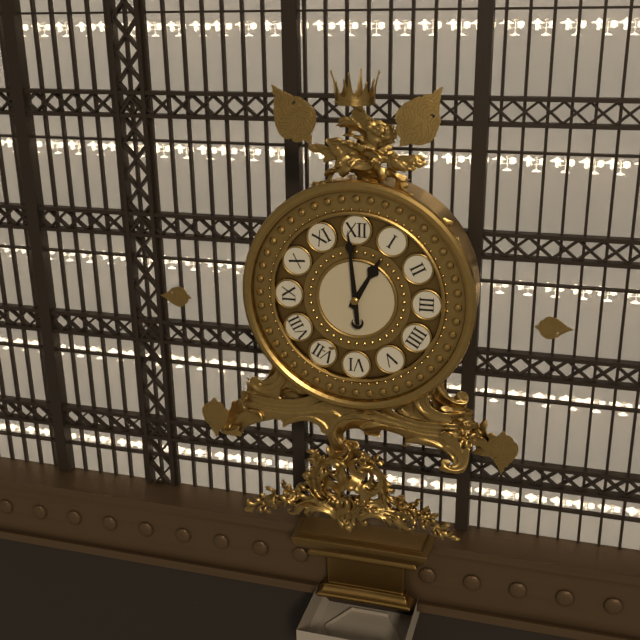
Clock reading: 12.59
